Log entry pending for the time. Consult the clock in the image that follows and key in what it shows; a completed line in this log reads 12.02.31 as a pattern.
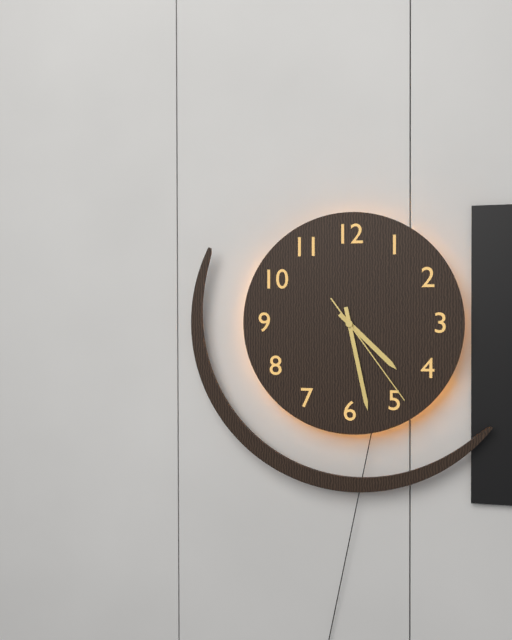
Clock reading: 4.28.24
